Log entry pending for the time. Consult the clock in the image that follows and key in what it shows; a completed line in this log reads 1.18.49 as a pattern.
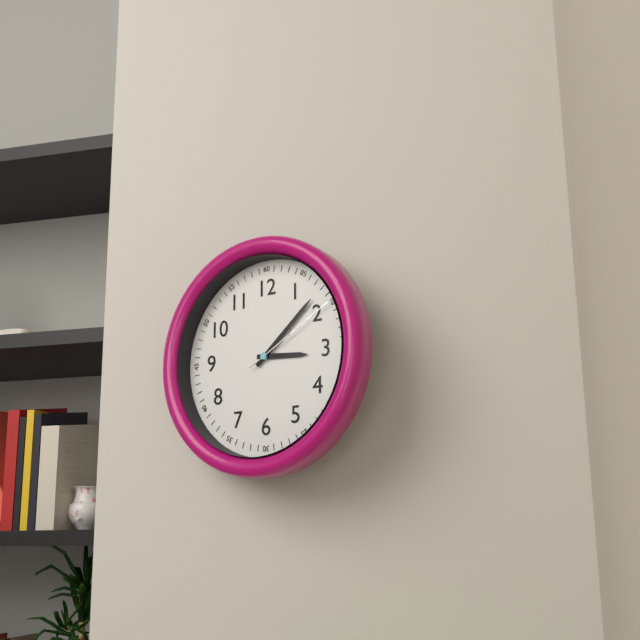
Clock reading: 3.08.10
